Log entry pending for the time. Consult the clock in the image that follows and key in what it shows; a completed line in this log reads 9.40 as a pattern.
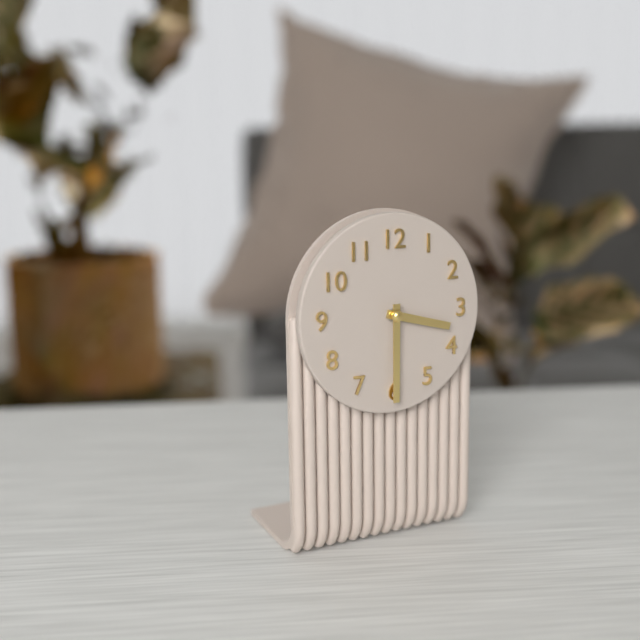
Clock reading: 3.30
